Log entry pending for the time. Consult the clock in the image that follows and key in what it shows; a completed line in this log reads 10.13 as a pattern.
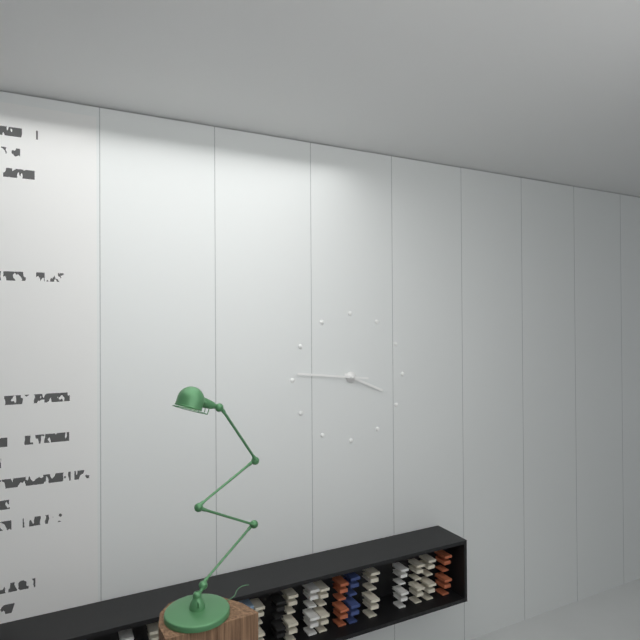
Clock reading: 3.46
